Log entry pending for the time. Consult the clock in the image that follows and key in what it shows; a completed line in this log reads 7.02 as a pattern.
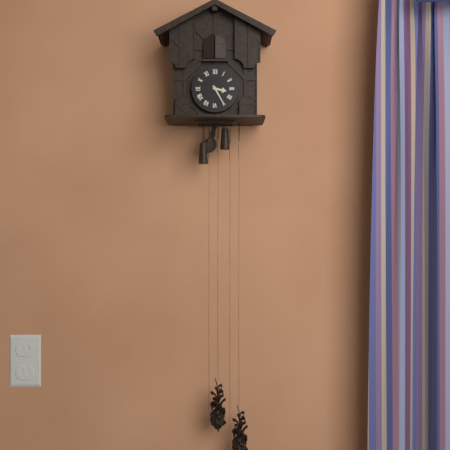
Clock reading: 3.25
